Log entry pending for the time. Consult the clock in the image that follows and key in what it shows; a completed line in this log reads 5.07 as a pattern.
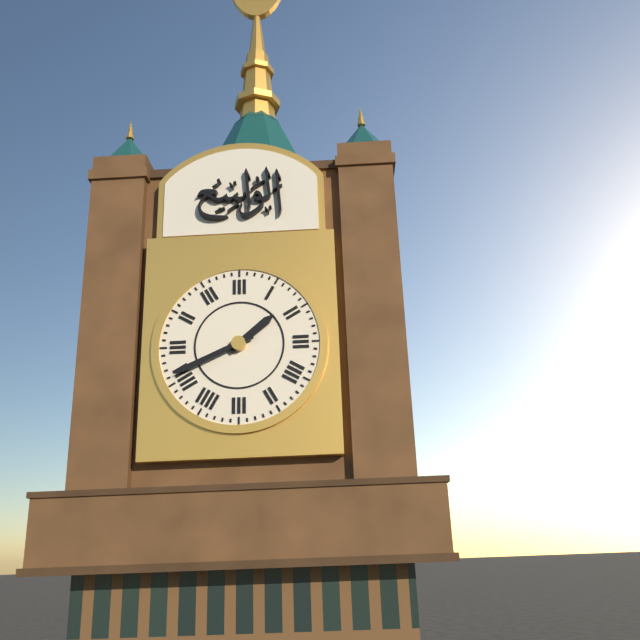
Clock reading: 1.41
